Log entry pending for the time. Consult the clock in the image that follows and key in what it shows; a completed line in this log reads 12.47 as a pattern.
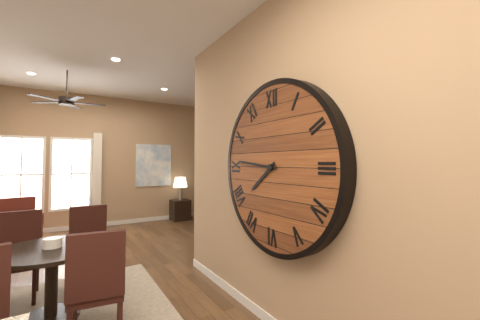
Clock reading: 7.46
